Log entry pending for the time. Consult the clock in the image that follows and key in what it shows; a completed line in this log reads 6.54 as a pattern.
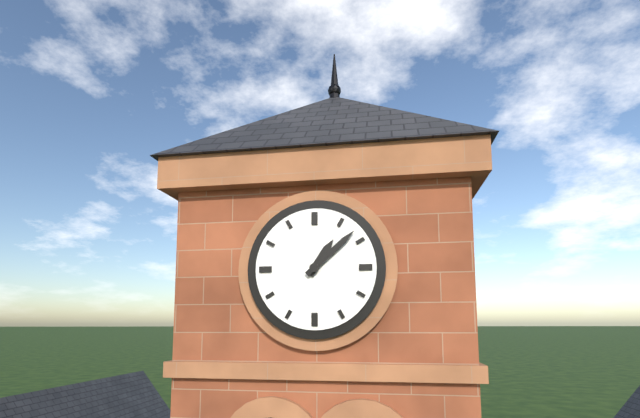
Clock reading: 1.08
